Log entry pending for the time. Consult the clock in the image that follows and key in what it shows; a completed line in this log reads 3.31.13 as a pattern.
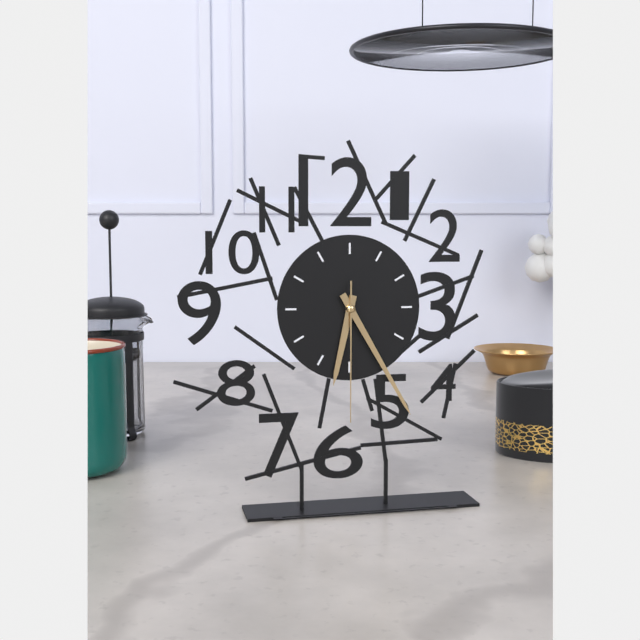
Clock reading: 6.25.30
